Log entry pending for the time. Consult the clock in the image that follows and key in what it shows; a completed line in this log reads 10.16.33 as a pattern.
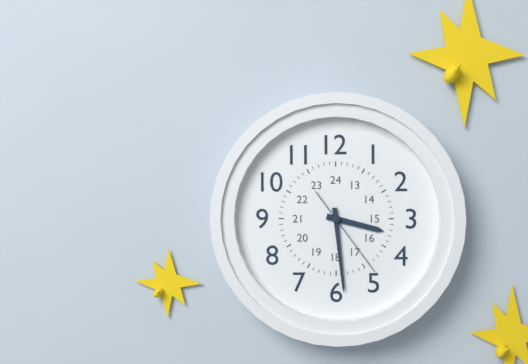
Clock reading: 3.29.24
